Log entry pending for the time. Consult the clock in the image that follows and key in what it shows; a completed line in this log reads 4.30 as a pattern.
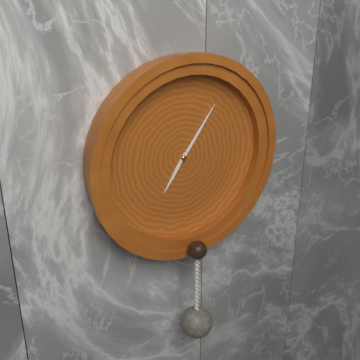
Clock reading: 7.06
